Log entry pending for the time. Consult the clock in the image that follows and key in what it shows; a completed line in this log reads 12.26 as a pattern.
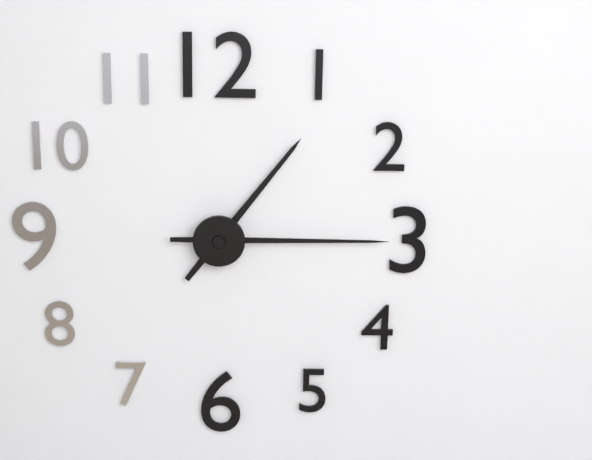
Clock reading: 1.15
